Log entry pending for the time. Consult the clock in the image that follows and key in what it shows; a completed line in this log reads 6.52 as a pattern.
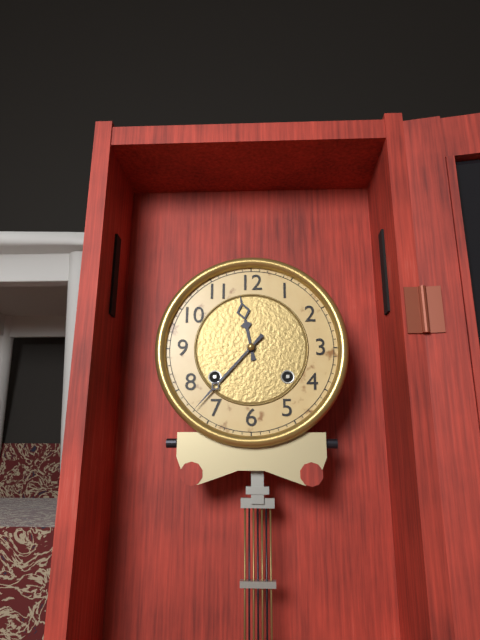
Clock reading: 11.37
